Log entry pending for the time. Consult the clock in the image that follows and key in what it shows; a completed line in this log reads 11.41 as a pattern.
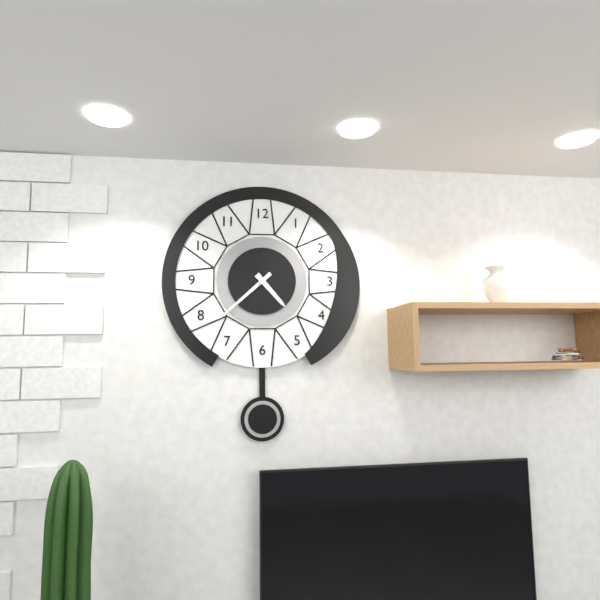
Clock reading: 4.38
